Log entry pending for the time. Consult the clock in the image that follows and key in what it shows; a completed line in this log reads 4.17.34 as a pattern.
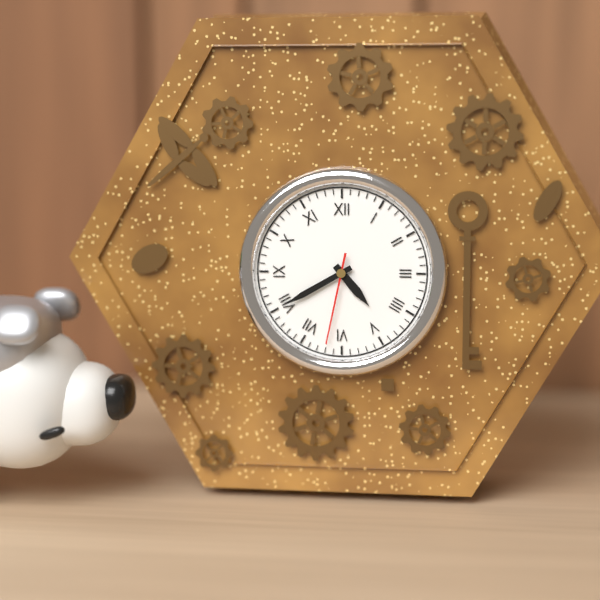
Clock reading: 4.40.32
